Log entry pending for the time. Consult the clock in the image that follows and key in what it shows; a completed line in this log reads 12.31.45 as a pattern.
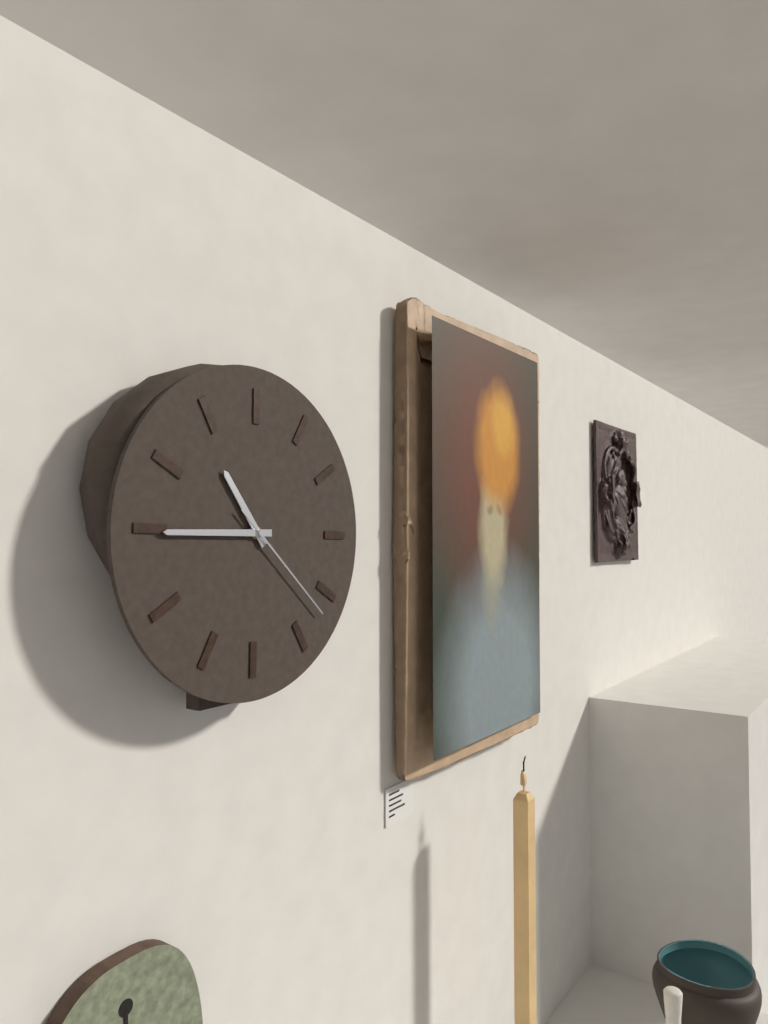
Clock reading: 10.45.22
